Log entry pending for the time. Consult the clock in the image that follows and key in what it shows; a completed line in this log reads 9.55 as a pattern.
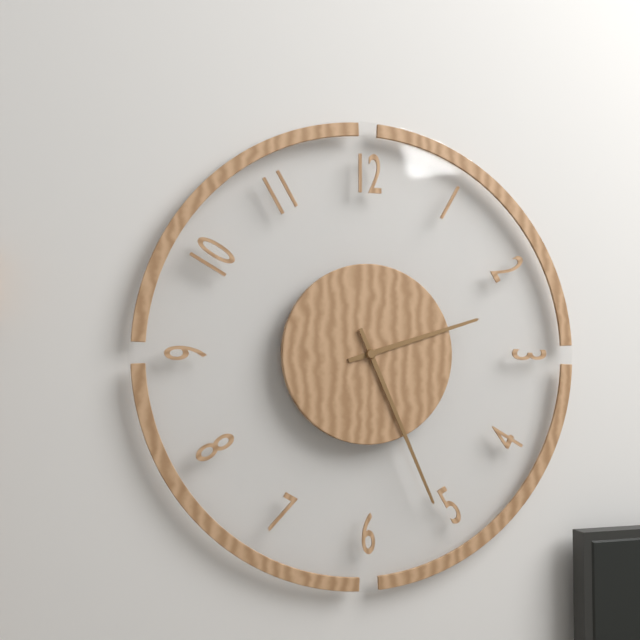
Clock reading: 2.26
